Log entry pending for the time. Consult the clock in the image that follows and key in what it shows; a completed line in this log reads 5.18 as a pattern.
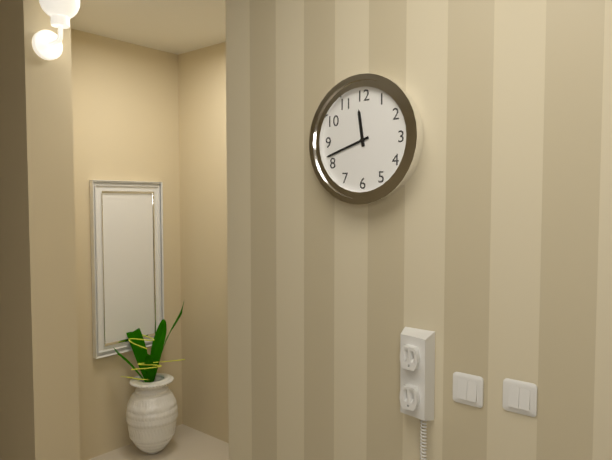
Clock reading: 11.42
